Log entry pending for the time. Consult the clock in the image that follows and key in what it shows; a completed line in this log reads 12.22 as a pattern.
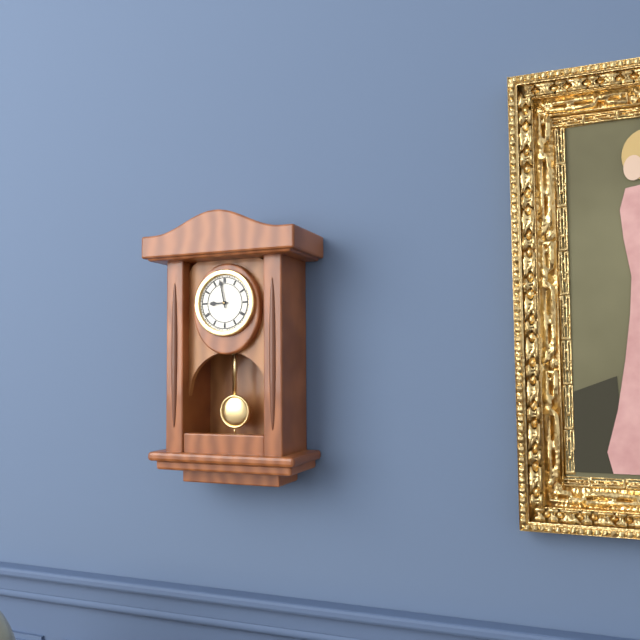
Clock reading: 8.58
